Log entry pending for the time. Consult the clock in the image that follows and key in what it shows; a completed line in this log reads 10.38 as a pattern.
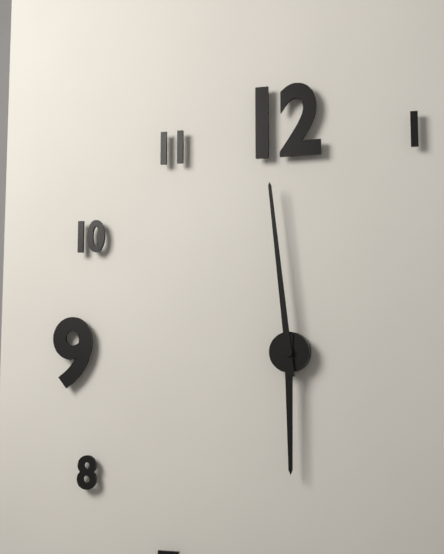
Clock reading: 5.59
